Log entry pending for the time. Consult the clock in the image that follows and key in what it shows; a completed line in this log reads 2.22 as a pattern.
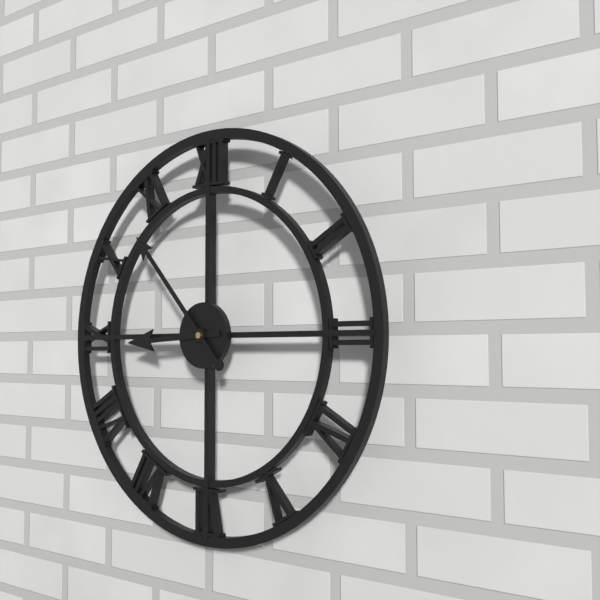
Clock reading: 8.53
